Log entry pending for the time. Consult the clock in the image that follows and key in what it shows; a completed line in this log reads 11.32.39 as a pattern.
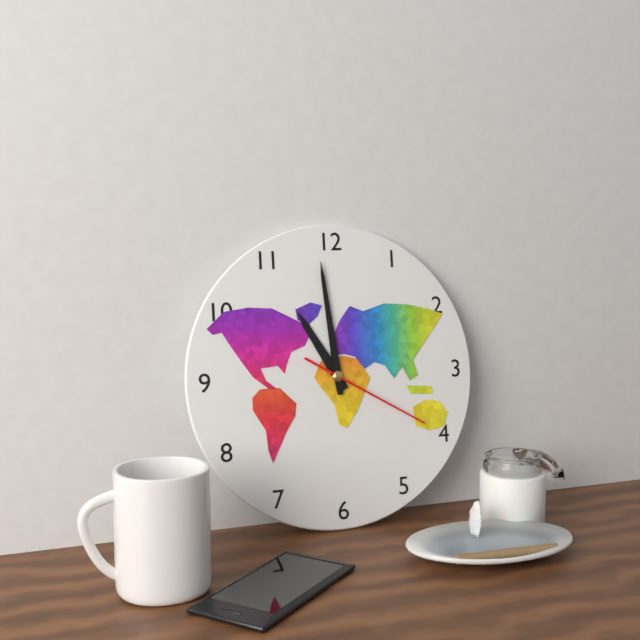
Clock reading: 10.59.20
